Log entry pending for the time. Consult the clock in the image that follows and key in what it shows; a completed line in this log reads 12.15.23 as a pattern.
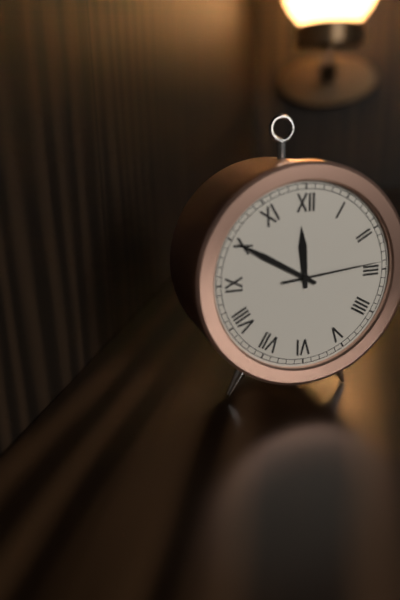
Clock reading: 11.50.14
